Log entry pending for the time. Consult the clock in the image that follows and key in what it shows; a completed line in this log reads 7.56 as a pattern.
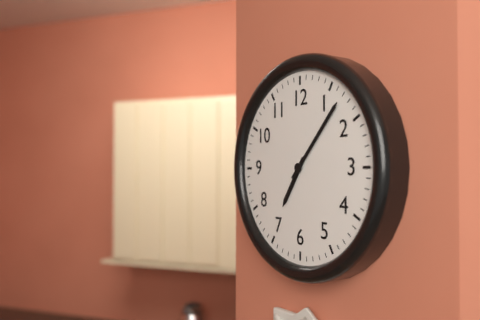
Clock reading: 7.07
